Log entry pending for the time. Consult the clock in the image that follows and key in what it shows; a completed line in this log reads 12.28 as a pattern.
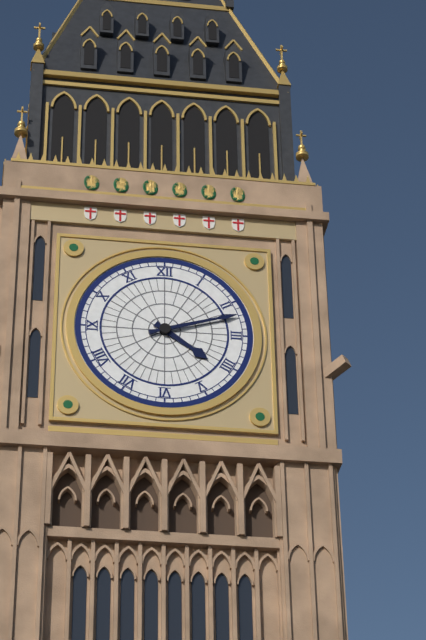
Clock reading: 4.12
